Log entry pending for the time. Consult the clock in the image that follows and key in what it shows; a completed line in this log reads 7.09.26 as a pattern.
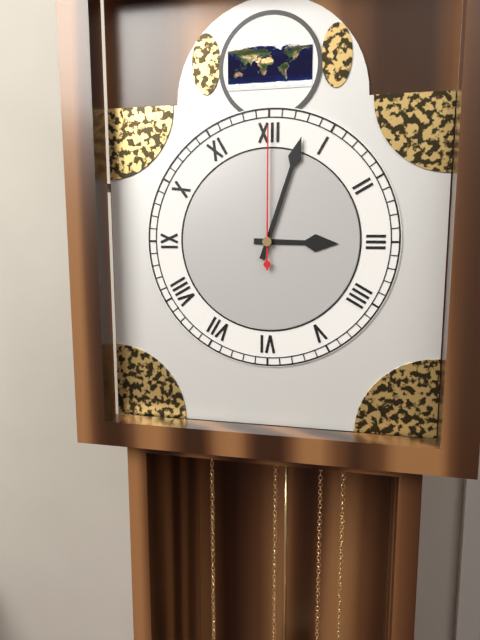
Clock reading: 3.03.00
